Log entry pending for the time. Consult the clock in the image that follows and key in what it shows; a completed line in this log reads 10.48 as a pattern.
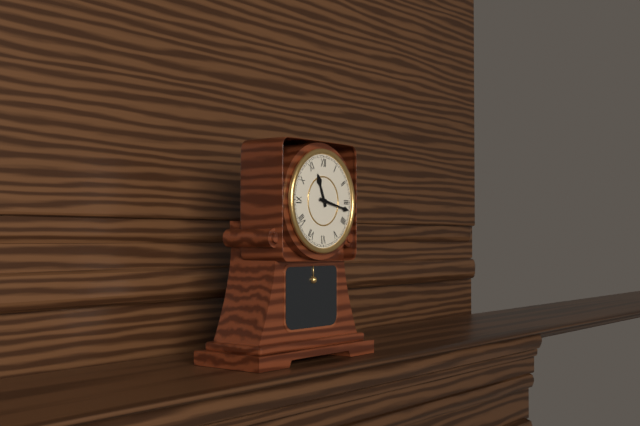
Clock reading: 11.17
